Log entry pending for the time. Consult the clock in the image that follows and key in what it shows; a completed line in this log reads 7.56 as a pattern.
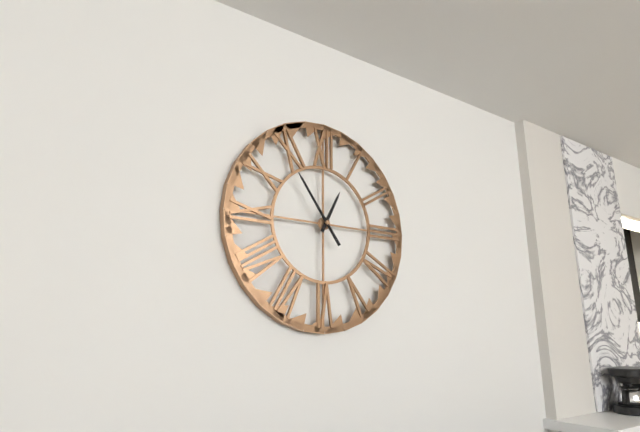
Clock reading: 12.54
